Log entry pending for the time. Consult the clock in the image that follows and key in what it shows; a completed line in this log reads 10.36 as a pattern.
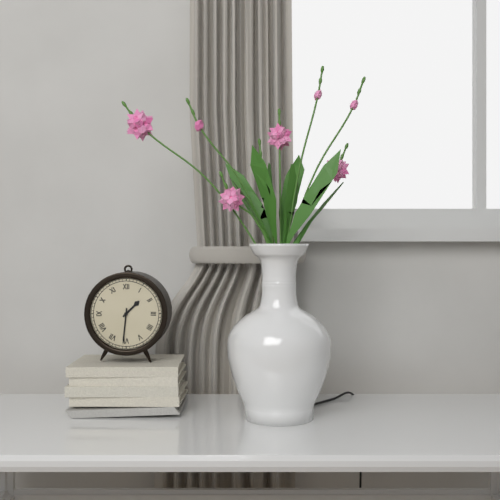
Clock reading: 1.31
